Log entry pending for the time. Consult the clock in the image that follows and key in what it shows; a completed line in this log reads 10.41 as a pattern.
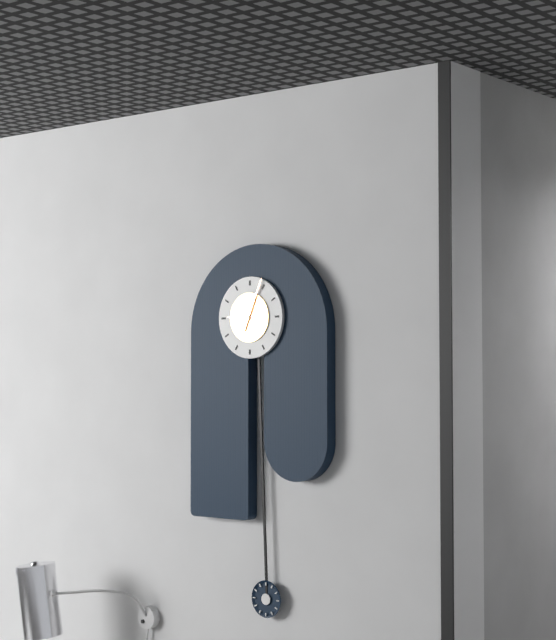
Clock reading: 9.04
